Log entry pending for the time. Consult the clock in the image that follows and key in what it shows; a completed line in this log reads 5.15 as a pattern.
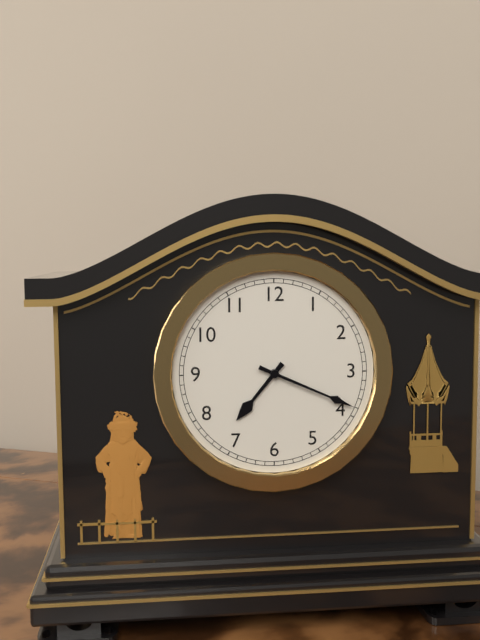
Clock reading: 7.19
